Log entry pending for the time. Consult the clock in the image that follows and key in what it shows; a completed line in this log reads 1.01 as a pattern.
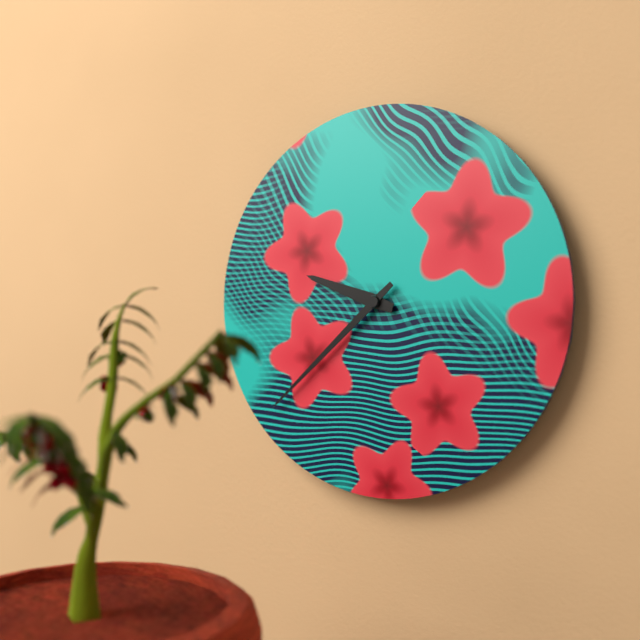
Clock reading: 9.38
